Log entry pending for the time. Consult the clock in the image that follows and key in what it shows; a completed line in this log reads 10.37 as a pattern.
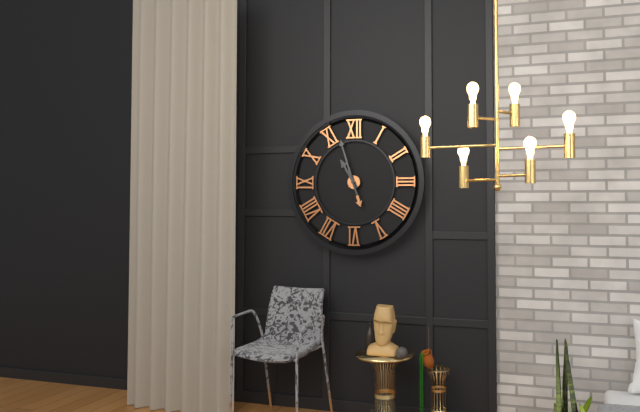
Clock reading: 10.57
